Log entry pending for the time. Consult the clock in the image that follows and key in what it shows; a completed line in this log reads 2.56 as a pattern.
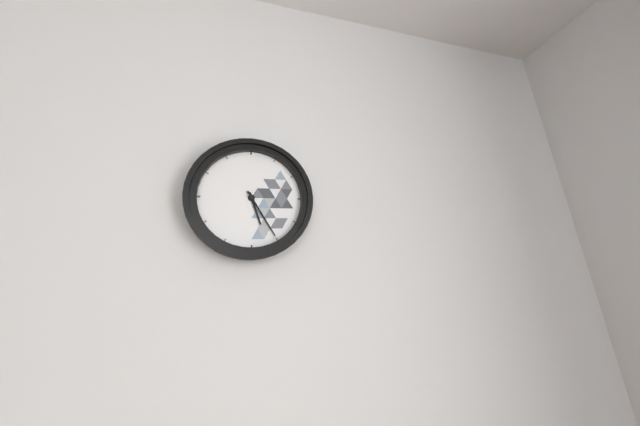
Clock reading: 5.25
